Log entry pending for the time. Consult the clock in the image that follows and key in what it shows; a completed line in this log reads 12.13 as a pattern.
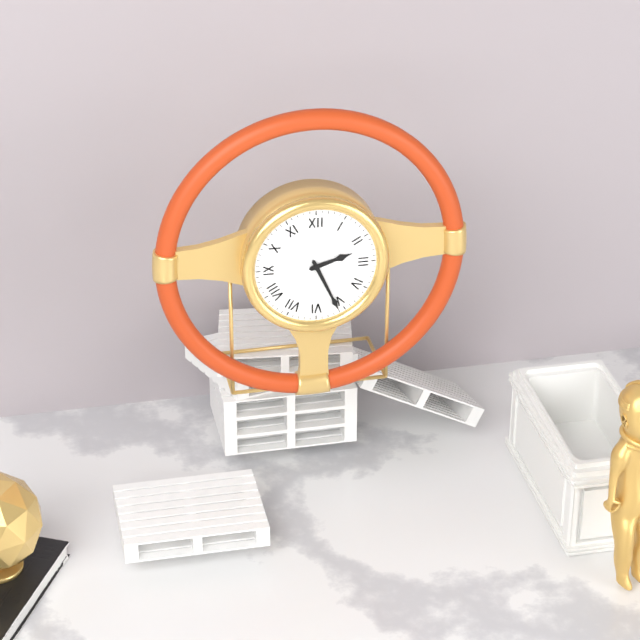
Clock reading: 2.26
